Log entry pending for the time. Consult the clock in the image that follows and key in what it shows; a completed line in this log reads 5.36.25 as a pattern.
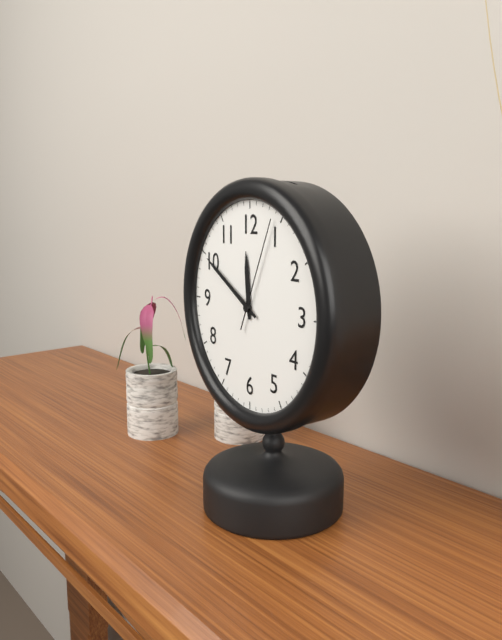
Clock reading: 11.50.04
